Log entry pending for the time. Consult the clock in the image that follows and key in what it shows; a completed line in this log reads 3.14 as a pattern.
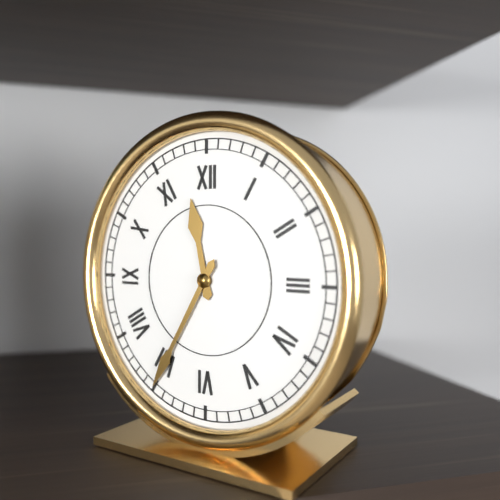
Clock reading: 11.35
